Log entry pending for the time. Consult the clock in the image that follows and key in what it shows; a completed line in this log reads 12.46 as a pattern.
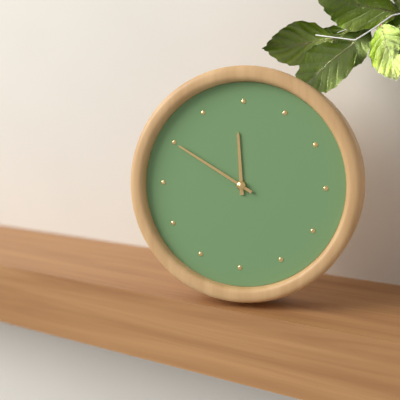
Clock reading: 11.50
